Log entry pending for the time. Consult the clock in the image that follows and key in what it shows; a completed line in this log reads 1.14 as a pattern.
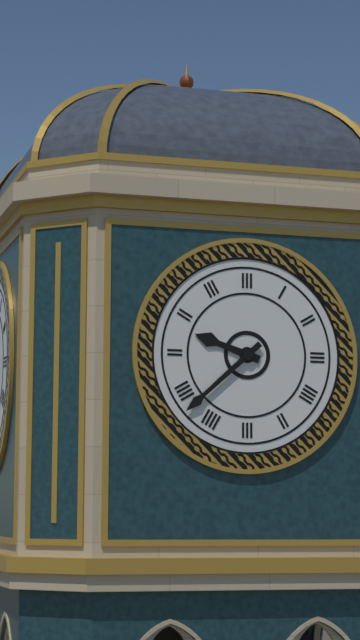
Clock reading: 9.38
